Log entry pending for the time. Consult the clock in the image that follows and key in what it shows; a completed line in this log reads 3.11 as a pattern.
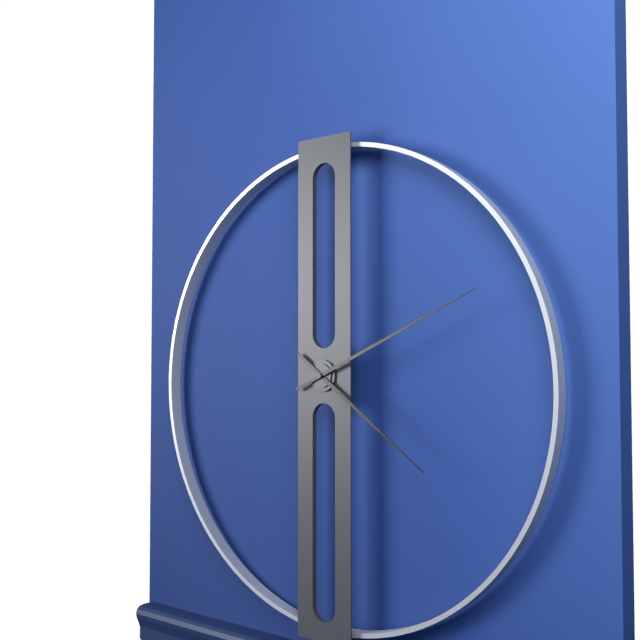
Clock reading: 4.11
